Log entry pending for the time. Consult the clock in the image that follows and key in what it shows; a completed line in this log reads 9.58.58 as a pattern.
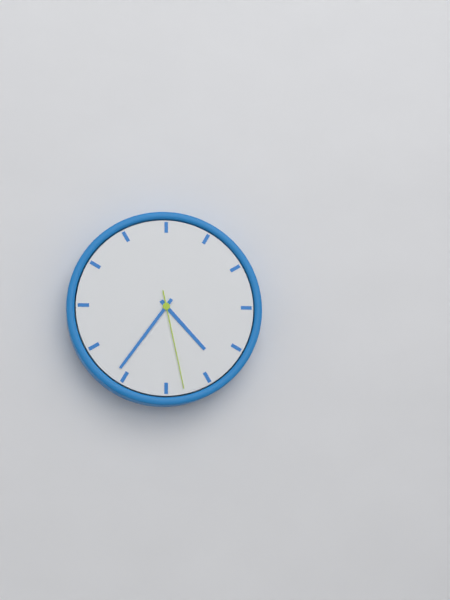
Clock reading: 4.36.28
